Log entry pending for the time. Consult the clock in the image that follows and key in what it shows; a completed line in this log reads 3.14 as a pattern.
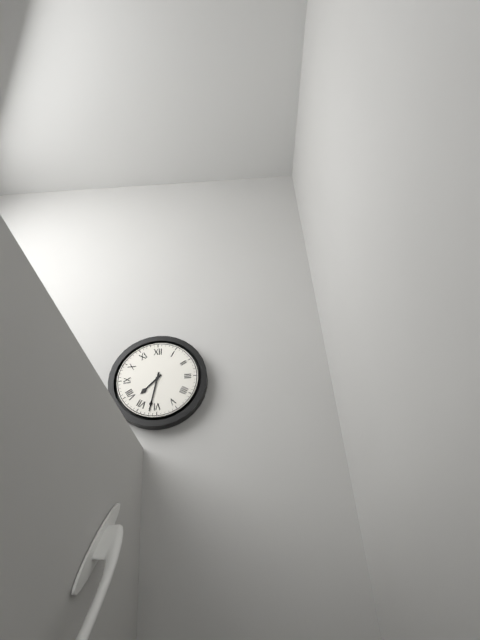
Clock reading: 7.32
